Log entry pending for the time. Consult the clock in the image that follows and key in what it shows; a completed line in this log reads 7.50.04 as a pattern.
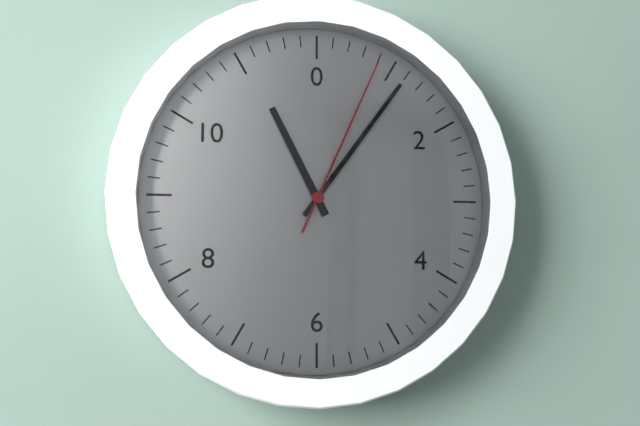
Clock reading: 11.06.04
